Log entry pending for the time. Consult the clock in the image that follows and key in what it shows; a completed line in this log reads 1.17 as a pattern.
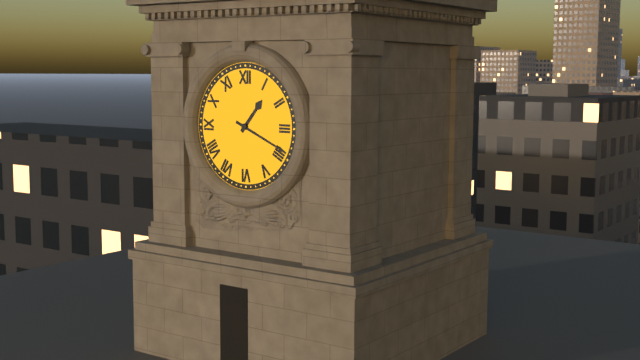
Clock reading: 1.19
